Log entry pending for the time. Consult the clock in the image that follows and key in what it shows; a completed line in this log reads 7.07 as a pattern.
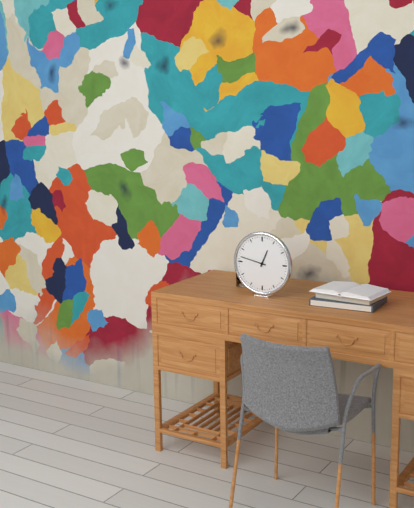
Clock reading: 12.47
